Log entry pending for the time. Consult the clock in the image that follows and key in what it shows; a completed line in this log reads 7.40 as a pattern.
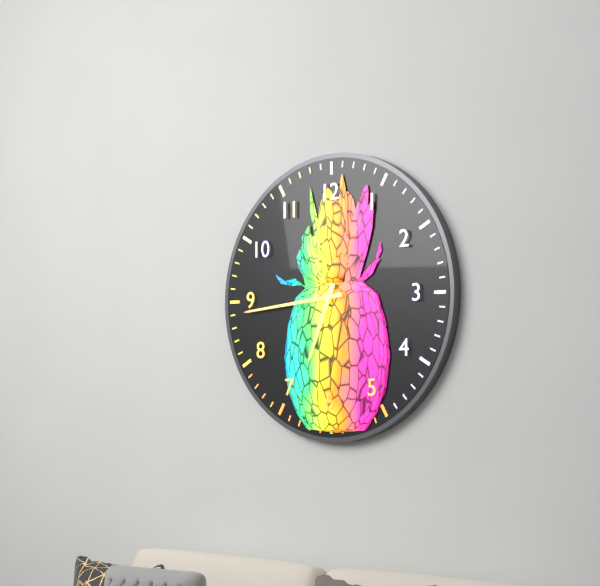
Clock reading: 6.44
